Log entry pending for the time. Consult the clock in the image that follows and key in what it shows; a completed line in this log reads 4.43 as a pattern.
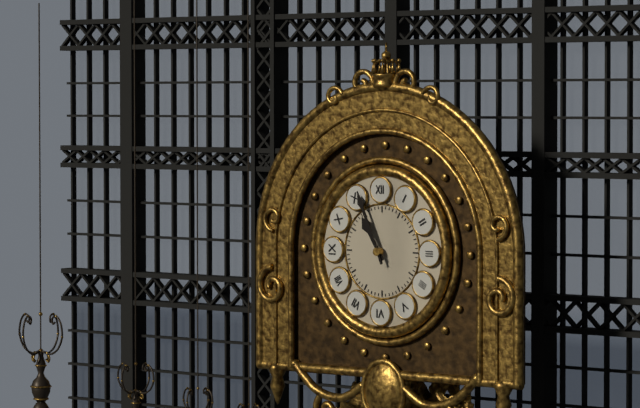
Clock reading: 10.56
